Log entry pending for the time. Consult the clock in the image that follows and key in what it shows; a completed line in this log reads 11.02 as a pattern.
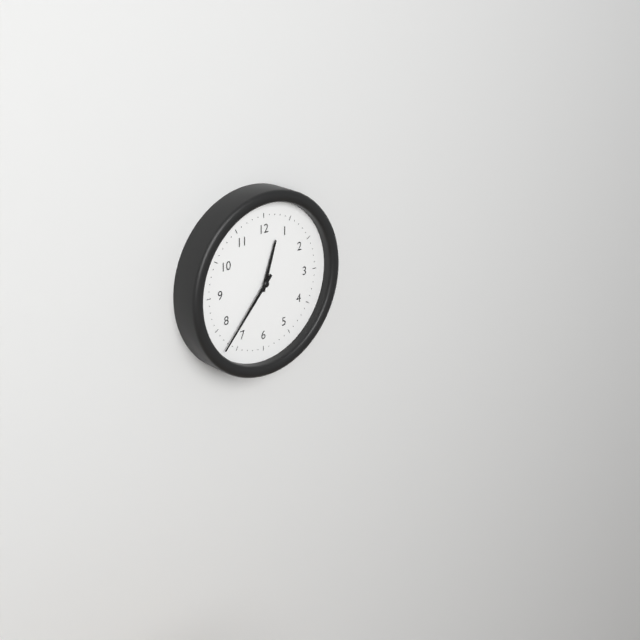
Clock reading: 12.37
